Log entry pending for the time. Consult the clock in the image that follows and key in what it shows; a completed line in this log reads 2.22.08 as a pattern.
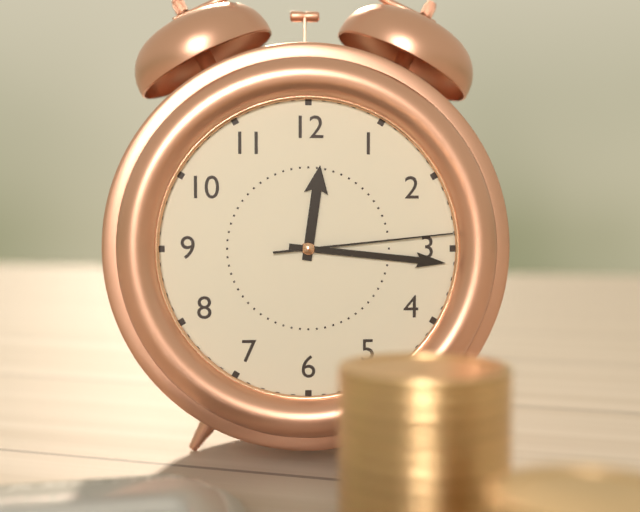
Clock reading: 12.16.14
